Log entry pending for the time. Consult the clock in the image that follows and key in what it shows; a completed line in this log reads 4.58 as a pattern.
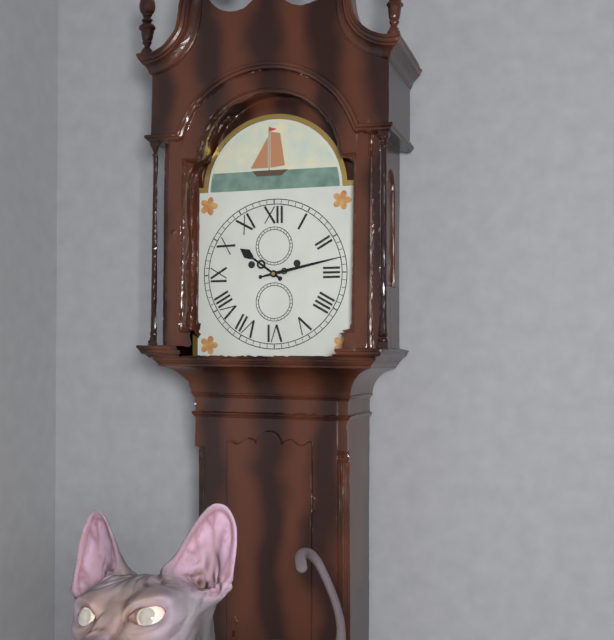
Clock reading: 10.13
